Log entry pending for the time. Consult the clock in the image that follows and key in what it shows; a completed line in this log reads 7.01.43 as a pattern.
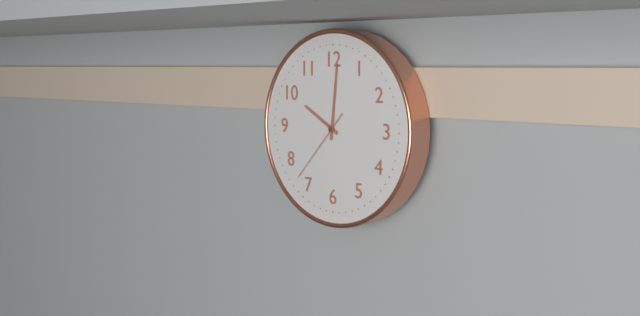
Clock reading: 10.01.37
